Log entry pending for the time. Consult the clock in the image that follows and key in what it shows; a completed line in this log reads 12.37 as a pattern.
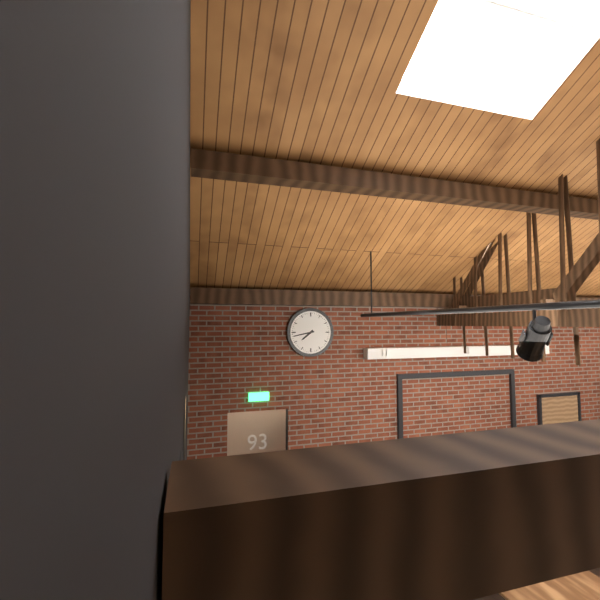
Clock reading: 7.43
